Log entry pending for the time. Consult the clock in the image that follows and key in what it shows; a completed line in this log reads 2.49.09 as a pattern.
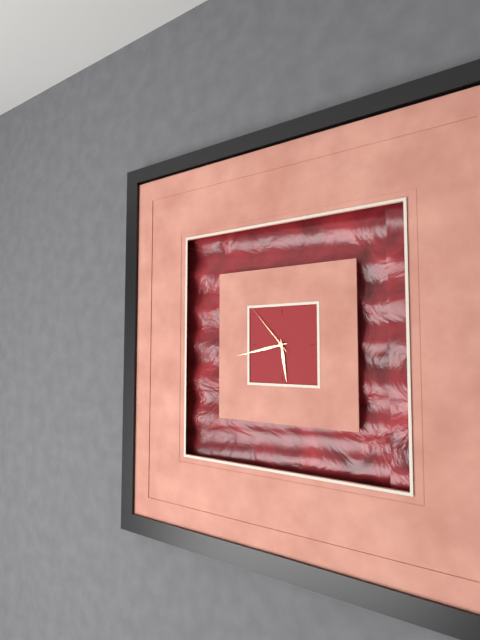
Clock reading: 5.43.53
